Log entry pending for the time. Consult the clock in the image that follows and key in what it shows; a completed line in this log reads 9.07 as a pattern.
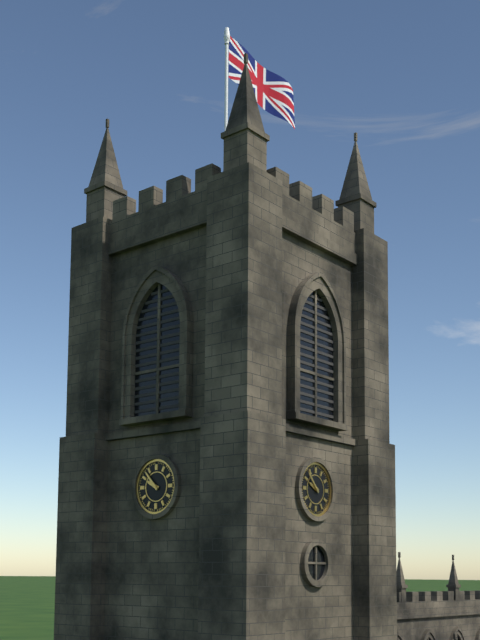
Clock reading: 9.53
